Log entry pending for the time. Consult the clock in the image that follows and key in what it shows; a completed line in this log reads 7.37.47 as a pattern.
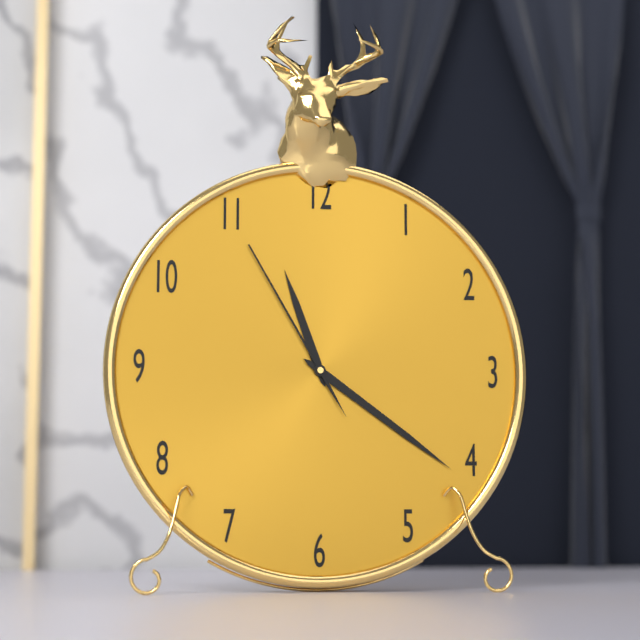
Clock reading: 11.21.55
